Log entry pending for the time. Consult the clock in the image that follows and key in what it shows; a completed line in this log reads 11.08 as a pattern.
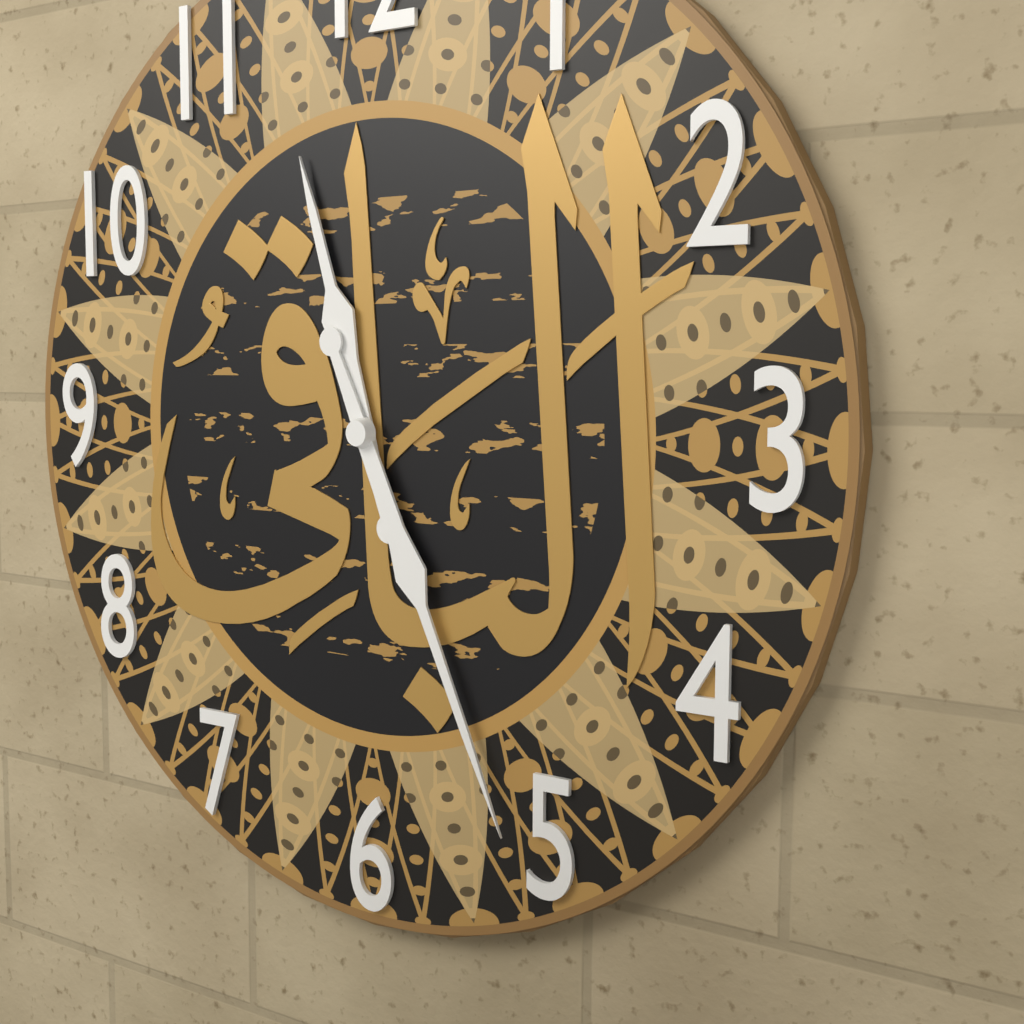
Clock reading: 11.26
